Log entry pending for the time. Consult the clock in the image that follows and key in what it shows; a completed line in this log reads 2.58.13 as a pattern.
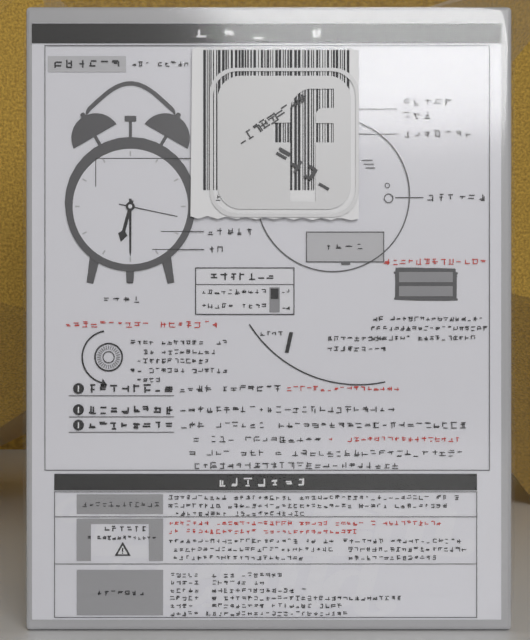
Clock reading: 6.30.17
